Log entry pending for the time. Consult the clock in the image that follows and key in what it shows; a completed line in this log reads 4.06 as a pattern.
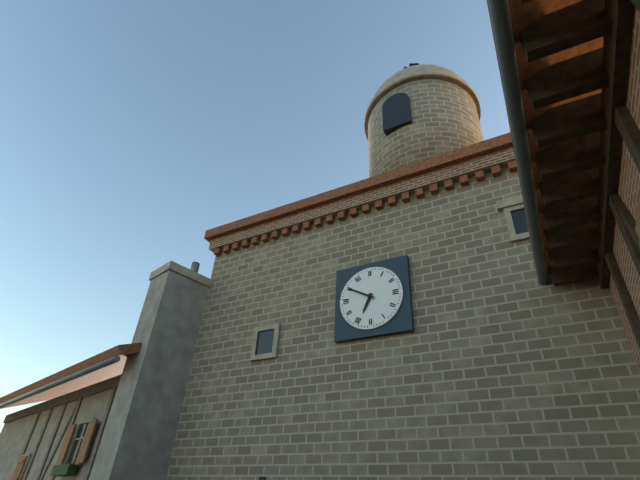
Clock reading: 6.50
